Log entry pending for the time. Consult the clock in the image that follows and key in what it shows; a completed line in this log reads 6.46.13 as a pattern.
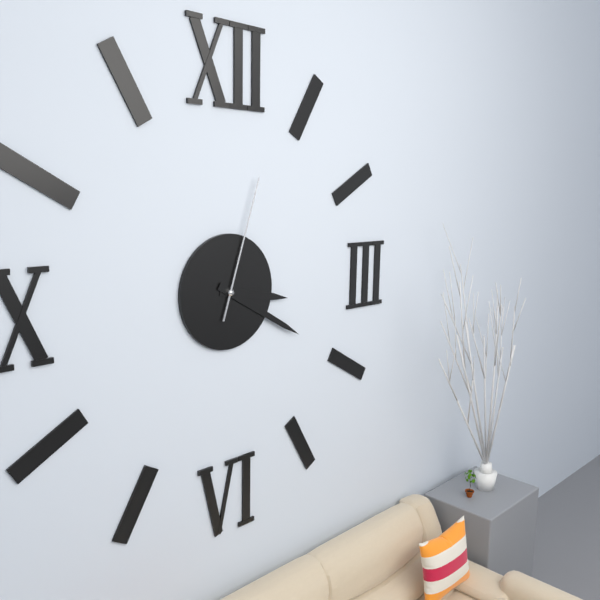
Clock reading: 3.20.03
